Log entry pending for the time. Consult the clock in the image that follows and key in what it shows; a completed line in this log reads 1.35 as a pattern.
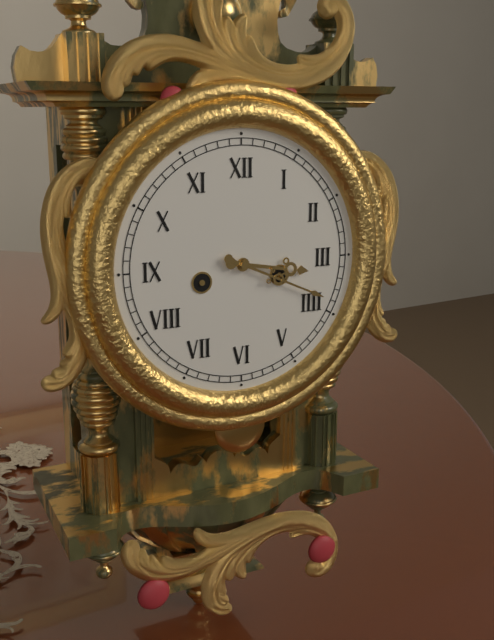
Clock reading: 3.19
